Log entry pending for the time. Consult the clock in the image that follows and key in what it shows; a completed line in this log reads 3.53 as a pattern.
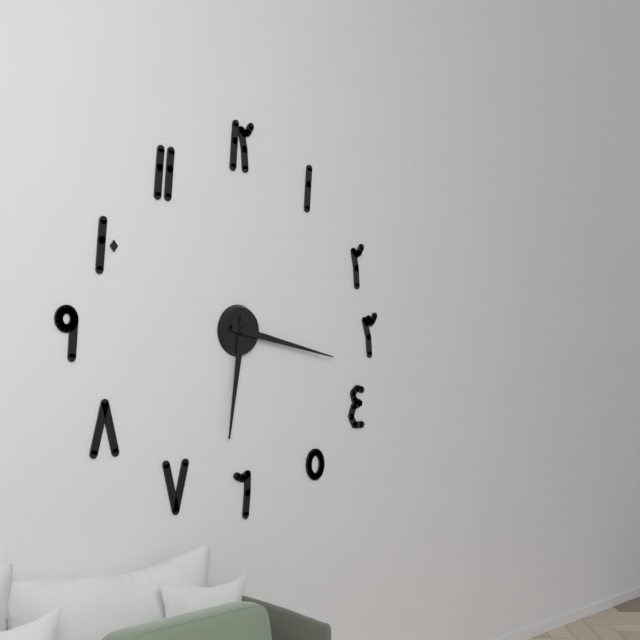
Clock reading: 6.17
